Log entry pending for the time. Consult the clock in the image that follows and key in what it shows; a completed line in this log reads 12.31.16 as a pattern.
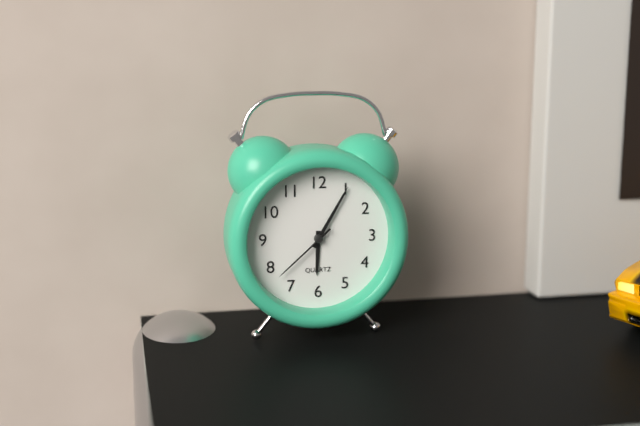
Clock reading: 6.05.38
